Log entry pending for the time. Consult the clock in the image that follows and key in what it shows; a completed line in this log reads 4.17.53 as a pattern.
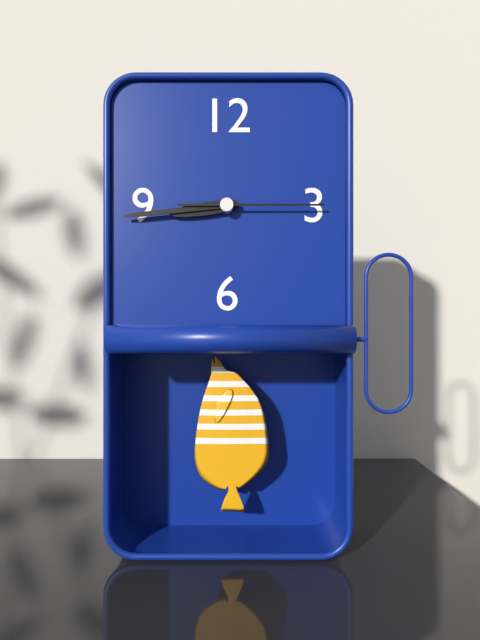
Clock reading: 8.44.15
